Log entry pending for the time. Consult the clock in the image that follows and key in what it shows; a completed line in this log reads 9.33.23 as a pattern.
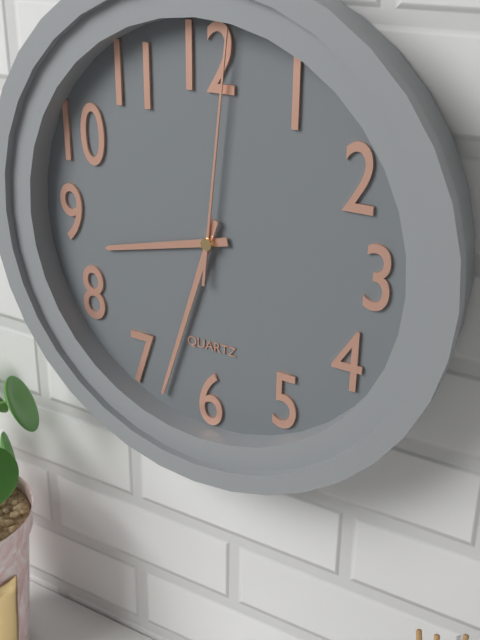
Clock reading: 8.33.01
